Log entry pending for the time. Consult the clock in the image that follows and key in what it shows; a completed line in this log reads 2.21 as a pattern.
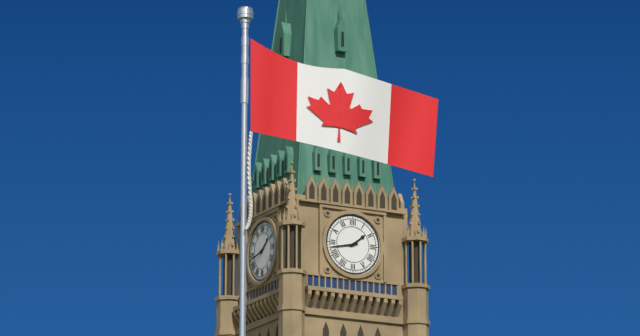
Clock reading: 1.43
